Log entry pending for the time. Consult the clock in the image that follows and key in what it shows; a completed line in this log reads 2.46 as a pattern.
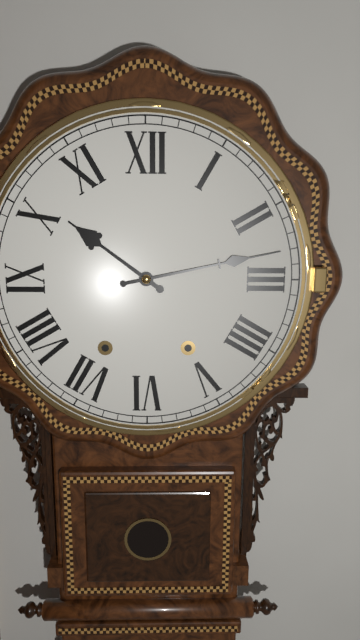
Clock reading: 10.13
